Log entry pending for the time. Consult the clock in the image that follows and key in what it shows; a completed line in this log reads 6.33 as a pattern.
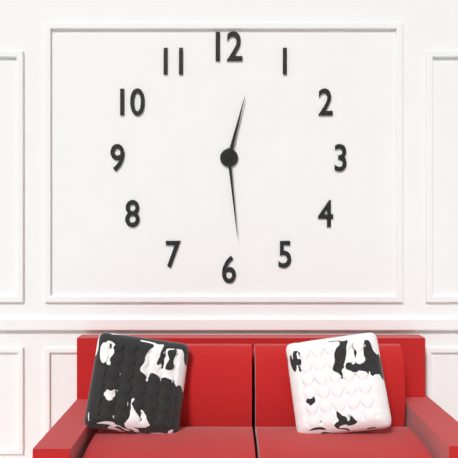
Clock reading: 12.29
